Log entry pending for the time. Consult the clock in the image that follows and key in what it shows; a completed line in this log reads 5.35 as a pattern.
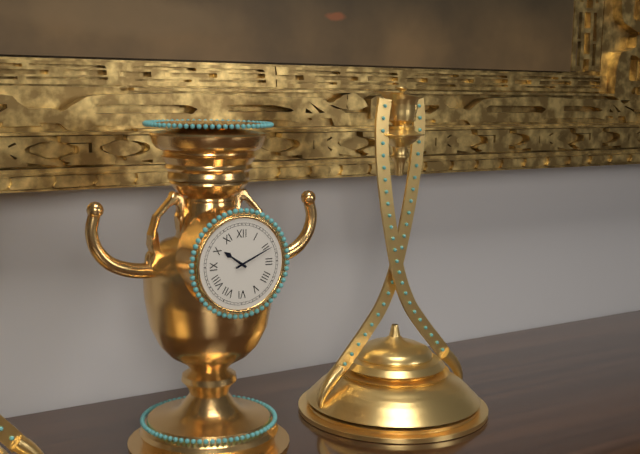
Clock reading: 10.11
